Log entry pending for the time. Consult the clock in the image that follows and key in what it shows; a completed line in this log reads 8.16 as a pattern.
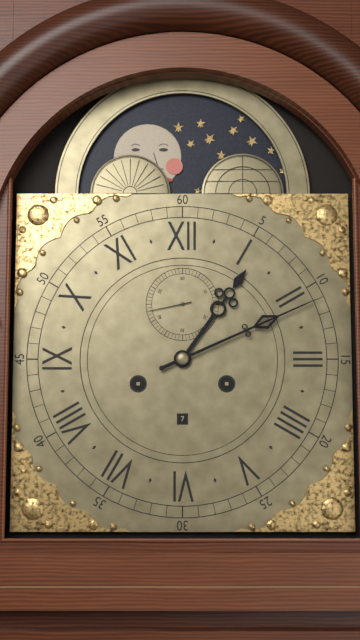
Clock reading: 1.11
